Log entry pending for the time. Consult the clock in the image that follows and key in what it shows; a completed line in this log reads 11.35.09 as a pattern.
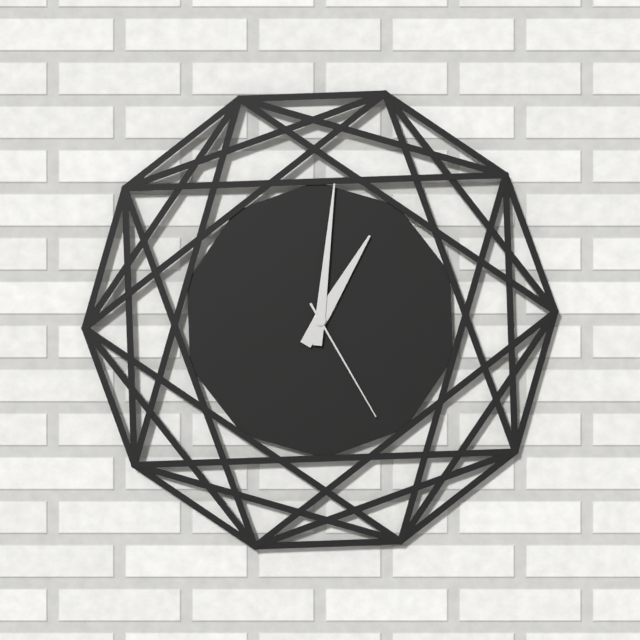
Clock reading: 1.01.25
